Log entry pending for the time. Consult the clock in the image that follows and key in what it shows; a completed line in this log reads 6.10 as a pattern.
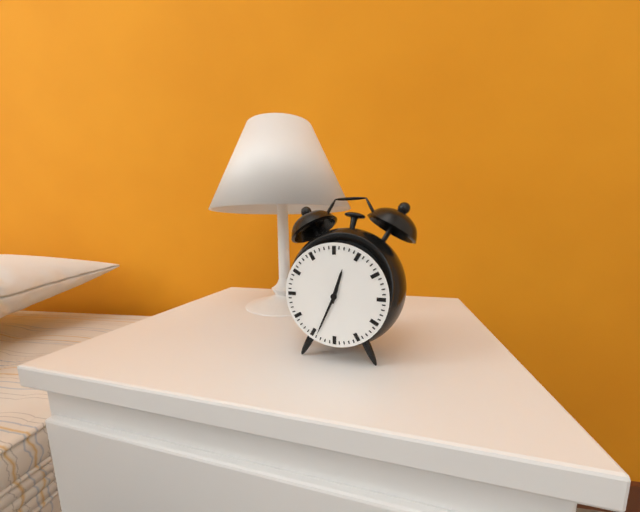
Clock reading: 12.34
